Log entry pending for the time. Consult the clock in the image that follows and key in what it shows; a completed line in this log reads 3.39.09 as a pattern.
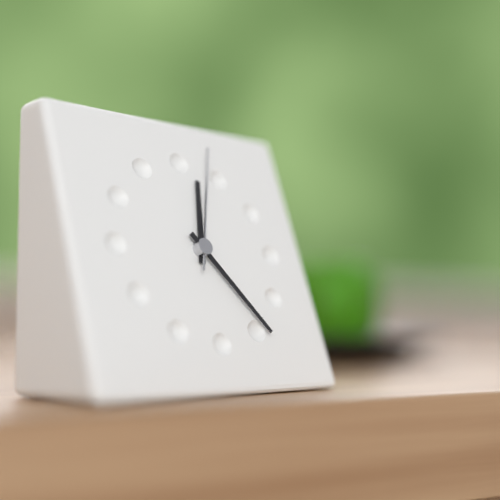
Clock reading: 12.24.03
